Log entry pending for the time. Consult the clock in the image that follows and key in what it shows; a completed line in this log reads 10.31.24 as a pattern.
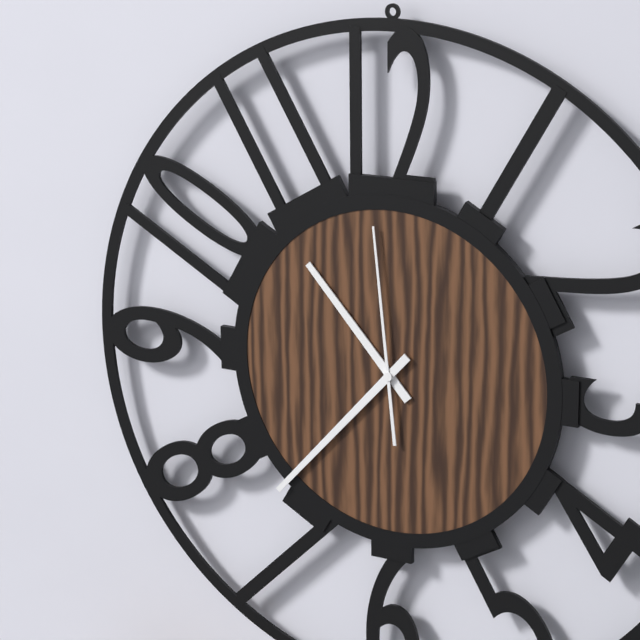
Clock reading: 10.37.59
